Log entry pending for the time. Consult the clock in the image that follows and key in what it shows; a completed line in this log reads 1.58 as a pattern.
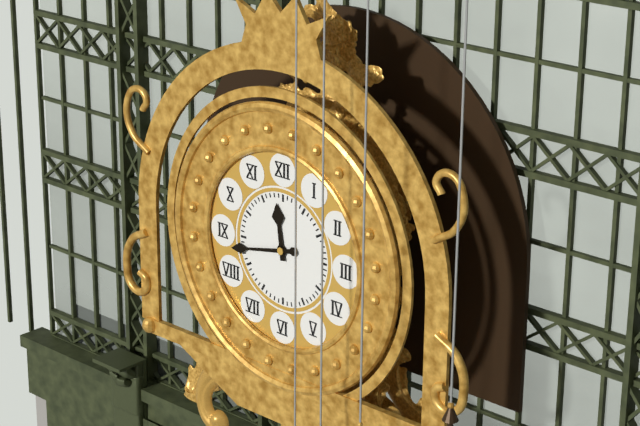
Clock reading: 11.43
